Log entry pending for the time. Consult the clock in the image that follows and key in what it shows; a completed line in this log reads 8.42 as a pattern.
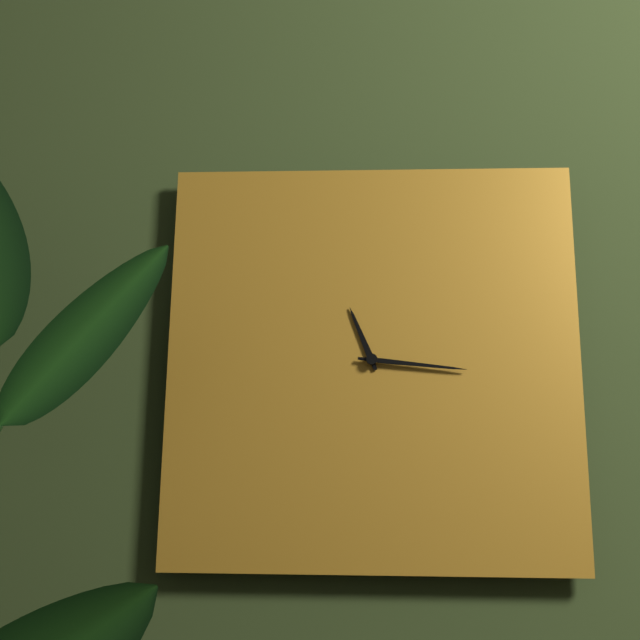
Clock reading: 11.16
